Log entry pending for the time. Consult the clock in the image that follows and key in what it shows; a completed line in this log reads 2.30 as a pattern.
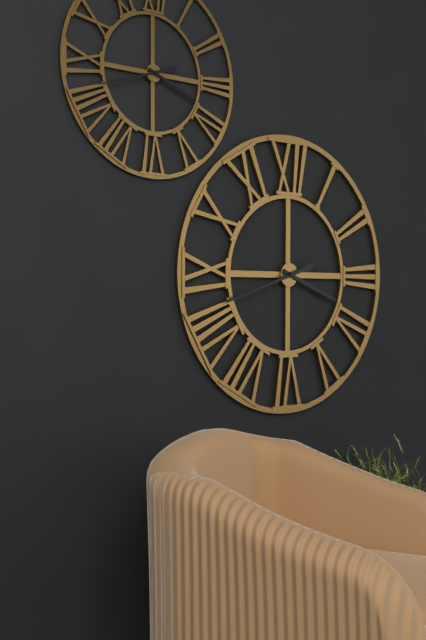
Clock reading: 3.42
